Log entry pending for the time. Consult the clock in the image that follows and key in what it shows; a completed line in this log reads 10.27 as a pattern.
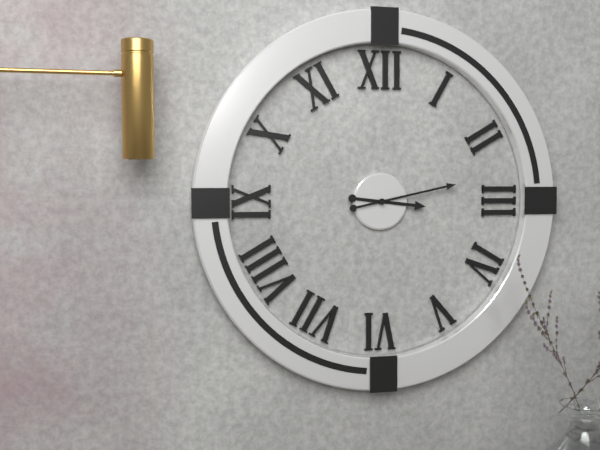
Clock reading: 3.13
